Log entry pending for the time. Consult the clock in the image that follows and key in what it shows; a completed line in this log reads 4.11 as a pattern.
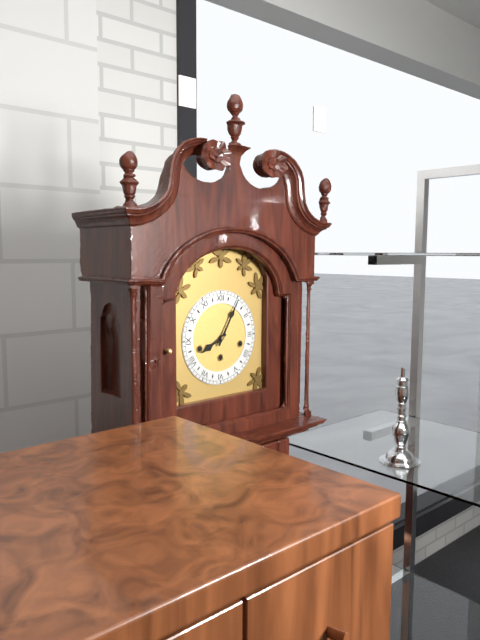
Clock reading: 8.05
